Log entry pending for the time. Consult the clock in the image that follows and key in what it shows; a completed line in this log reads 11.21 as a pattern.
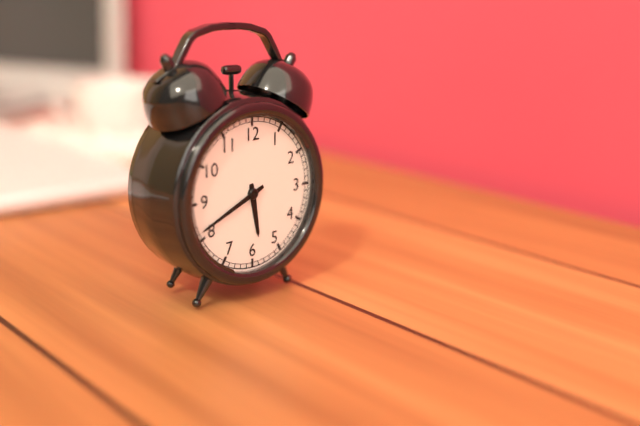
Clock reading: 5.41
